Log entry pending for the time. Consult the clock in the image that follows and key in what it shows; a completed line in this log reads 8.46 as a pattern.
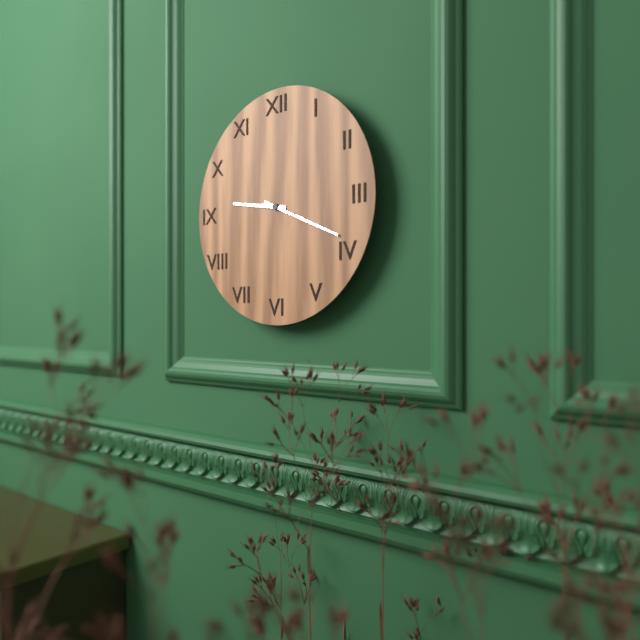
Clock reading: 9.19
